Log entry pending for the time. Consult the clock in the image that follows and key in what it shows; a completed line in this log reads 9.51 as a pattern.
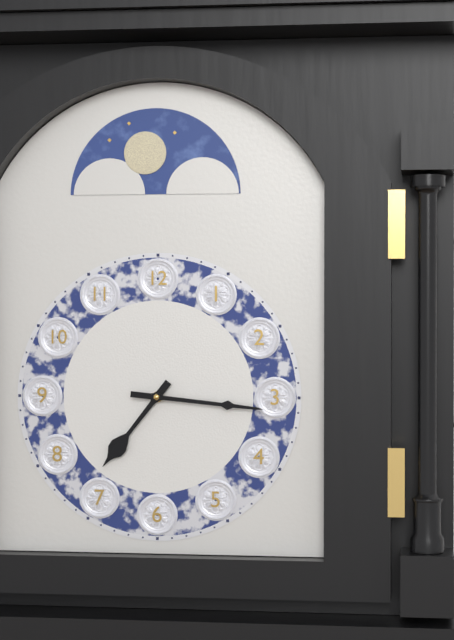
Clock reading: 7.16
